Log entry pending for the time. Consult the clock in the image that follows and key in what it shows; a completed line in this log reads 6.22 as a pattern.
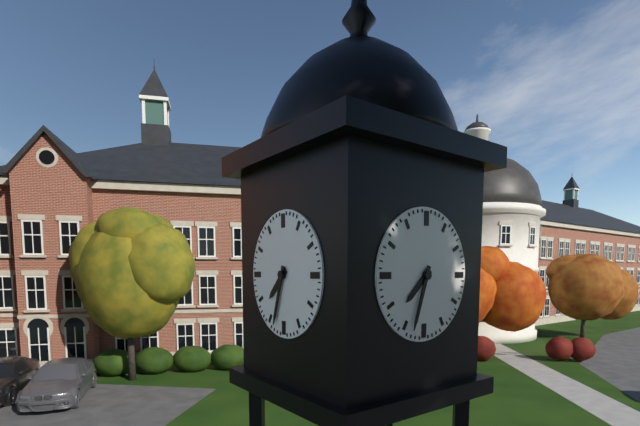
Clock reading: 7.33
